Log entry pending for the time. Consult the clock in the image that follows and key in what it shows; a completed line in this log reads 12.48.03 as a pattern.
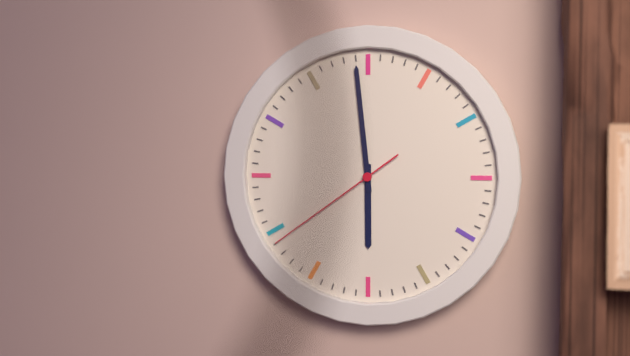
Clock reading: 5.59.39
